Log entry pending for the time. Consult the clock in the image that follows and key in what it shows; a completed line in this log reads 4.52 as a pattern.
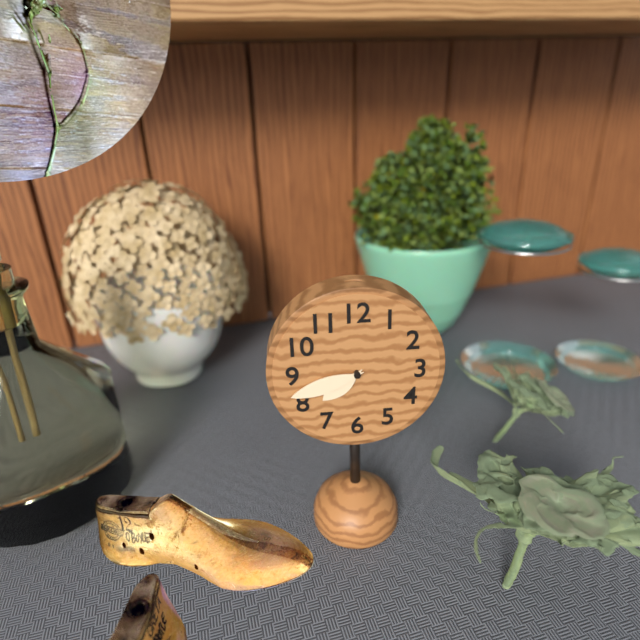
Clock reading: 7.42
